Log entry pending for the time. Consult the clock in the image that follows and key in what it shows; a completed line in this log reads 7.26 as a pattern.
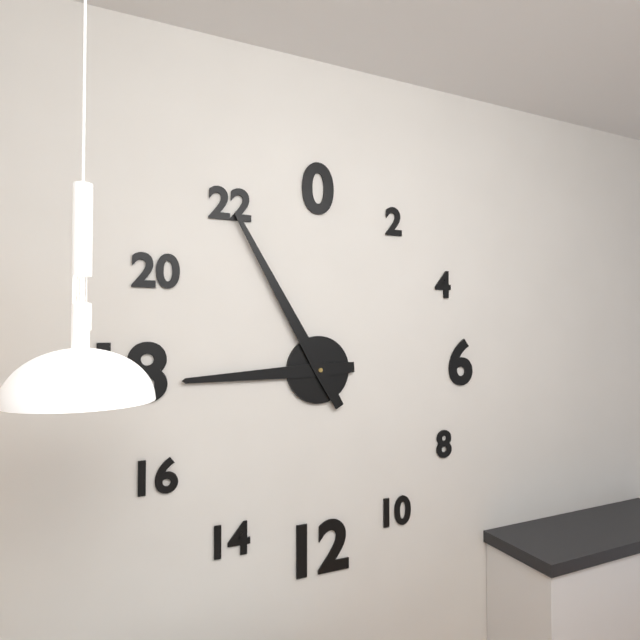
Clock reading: 8.55
